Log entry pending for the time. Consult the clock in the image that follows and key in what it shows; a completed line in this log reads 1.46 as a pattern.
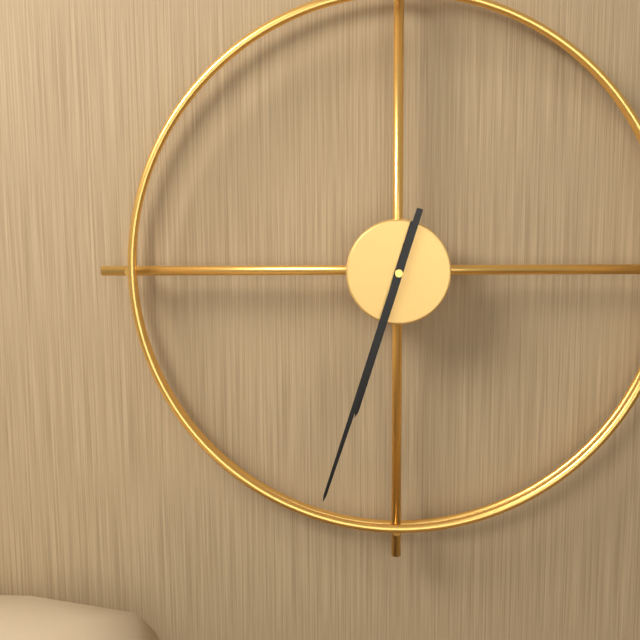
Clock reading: 6.33
